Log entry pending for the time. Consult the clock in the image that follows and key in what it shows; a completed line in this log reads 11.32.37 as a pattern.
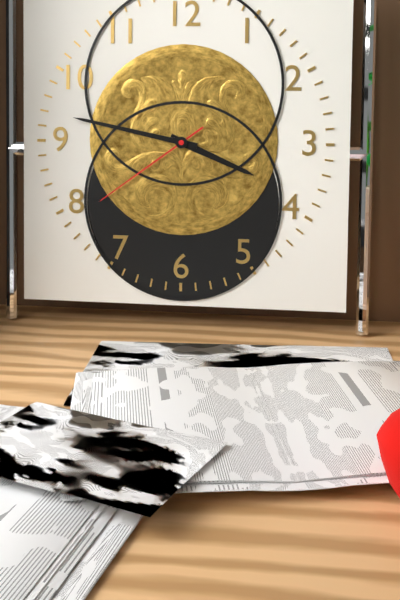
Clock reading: 3.47.39
